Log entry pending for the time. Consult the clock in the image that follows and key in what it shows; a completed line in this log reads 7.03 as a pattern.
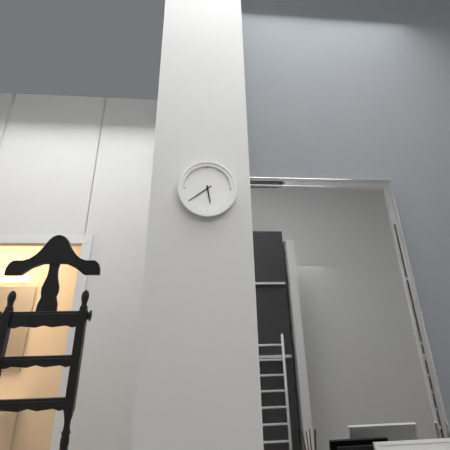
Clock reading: 5.39
